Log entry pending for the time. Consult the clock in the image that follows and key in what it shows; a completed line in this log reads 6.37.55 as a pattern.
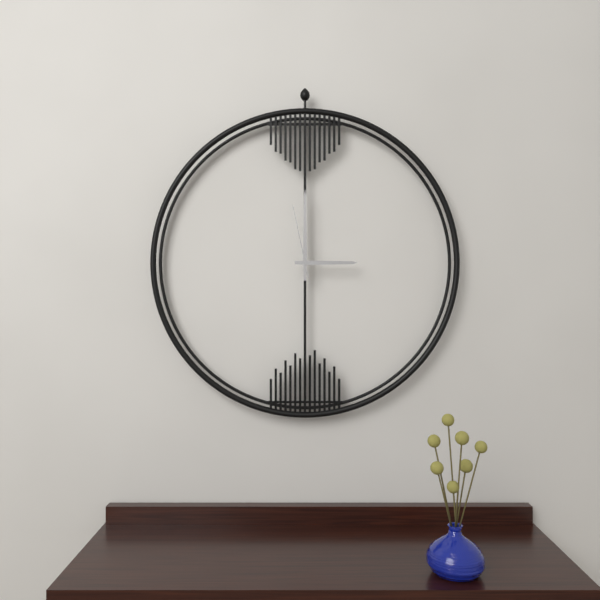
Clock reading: 3.00.58
